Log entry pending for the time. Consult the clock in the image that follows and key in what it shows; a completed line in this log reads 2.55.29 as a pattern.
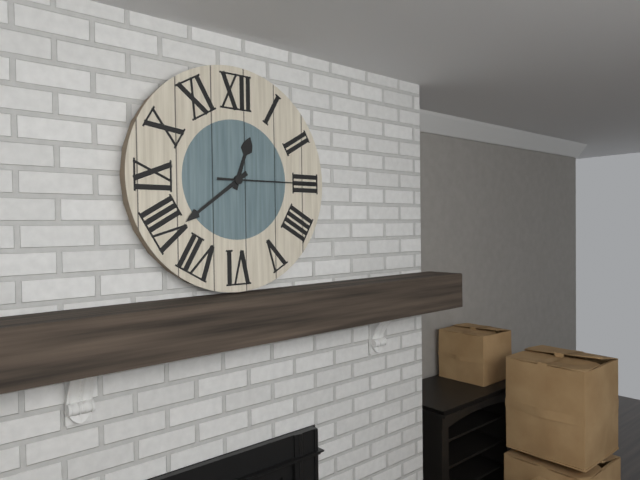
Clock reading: 12.39.15
